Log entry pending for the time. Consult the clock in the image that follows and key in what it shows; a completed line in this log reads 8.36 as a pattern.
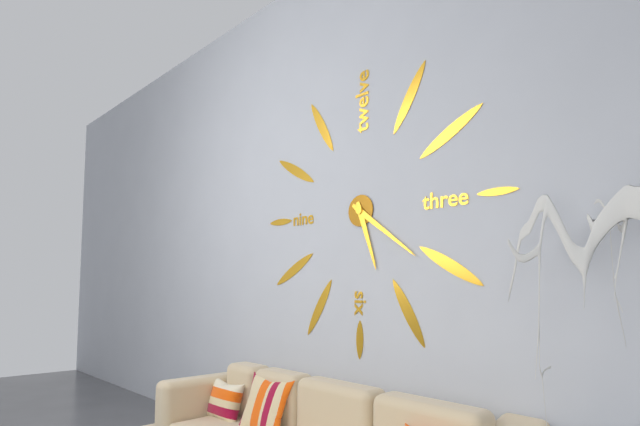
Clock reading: 5.21
